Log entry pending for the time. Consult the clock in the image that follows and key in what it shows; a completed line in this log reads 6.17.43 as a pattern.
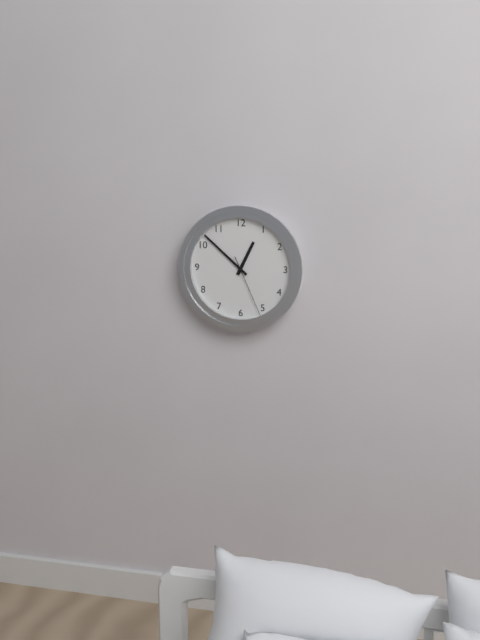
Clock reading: 12.52.26
